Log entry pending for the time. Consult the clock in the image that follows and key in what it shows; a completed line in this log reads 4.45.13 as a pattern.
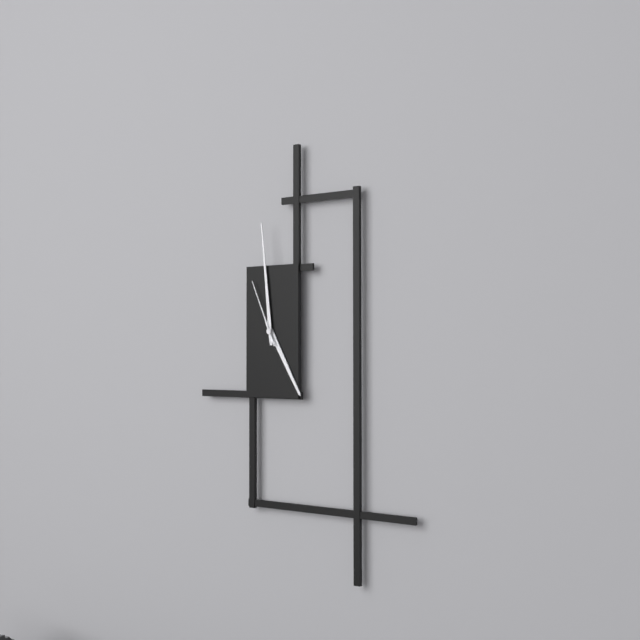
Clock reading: 4.59.56
